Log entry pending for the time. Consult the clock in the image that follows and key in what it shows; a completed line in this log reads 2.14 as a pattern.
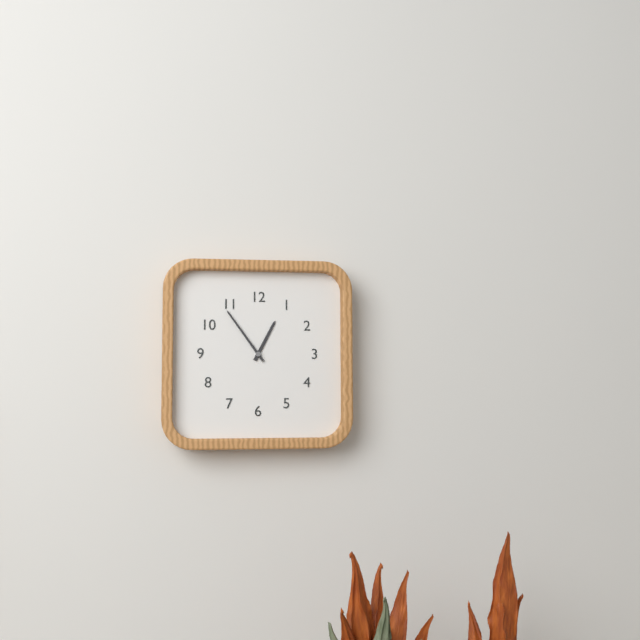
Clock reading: 12.54
